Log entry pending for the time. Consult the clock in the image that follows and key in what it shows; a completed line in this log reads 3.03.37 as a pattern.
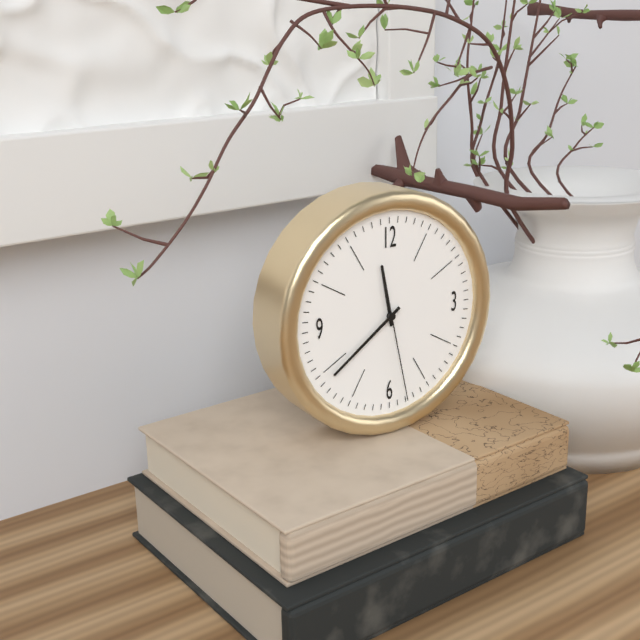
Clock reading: 11.39.28
